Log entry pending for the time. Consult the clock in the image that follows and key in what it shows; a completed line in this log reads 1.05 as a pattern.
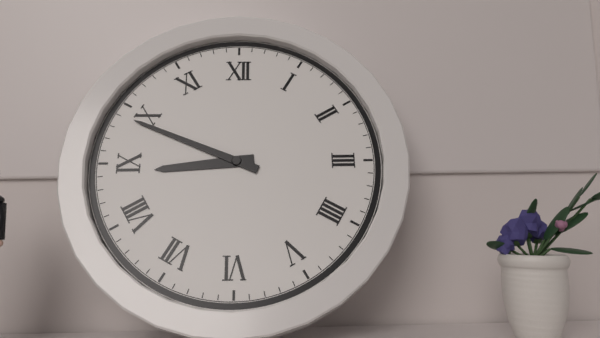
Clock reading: 8.49
